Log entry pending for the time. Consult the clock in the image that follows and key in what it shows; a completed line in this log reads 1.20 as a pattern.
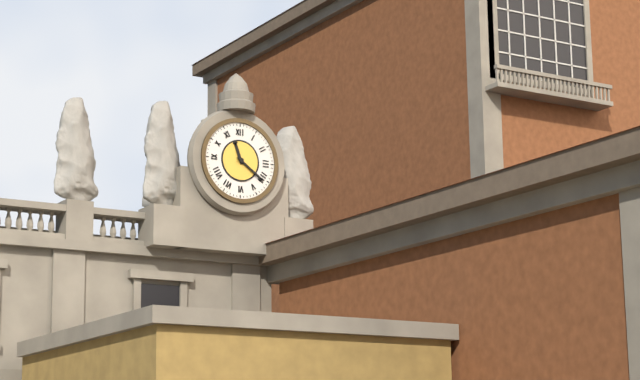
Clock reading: 11.21
